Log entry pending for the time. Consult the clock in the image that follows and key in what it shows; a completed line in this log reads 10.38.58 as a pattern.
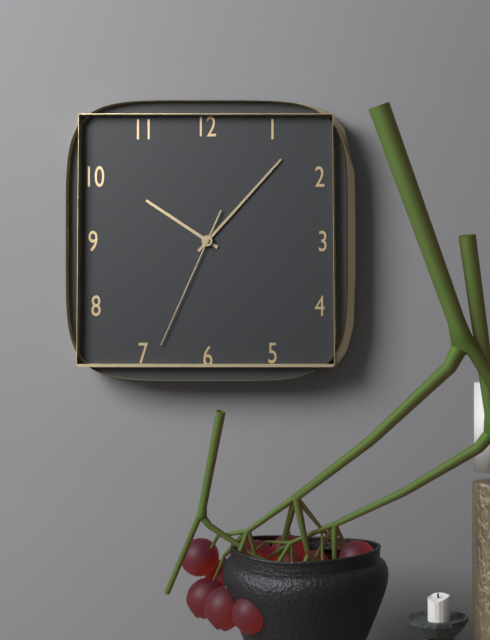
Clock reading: 10.07.34
